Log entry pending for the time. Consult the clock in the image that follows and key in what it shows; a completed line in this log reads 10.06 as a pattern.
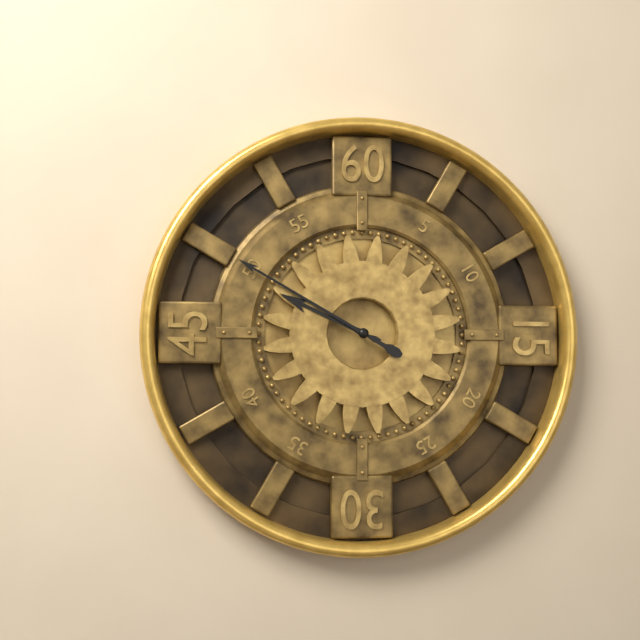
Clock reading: 9.50
